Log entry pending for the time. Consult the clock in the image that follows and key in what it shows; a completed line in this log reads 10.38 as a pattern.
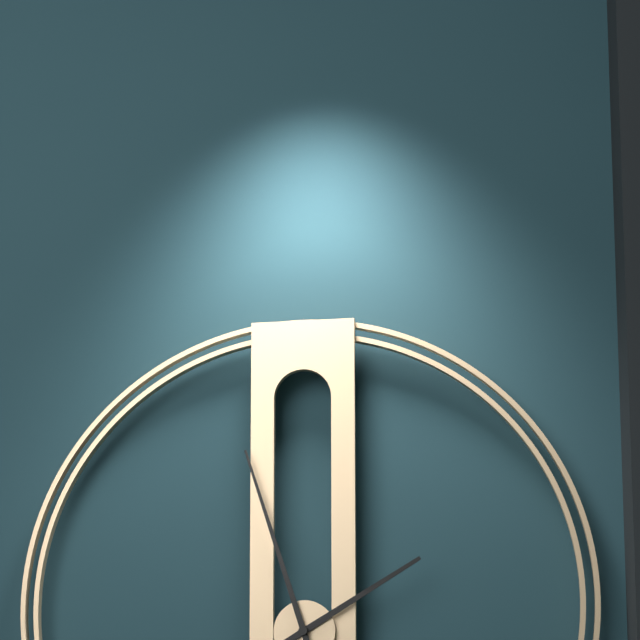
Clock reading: 1.57
